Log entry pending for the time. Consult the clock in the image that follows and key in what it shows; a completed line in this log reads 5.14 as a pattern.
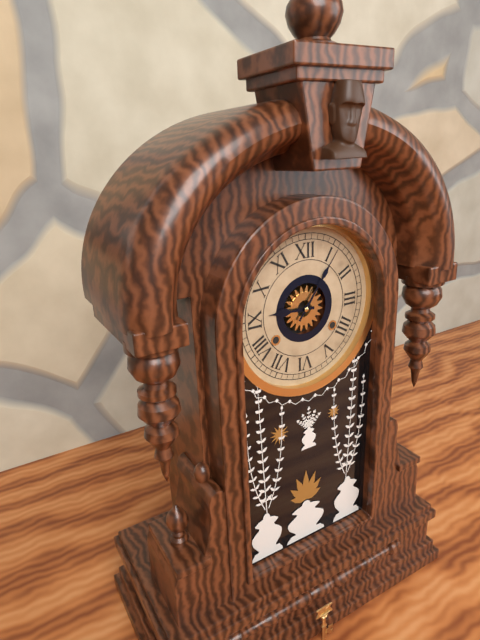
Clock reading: 9.06
